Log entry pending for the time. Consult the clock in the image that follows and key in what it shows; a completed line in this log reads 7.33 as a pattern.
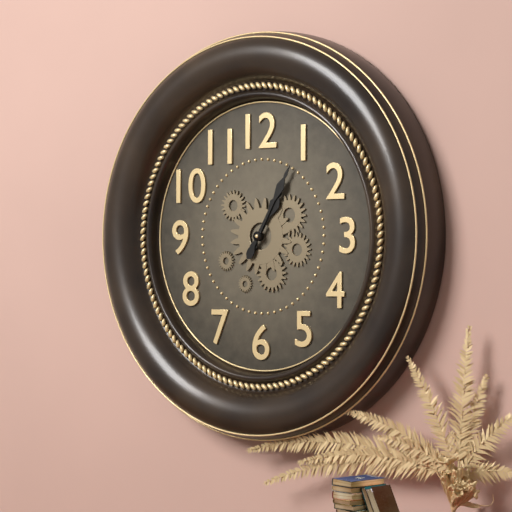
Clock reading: 1.05
